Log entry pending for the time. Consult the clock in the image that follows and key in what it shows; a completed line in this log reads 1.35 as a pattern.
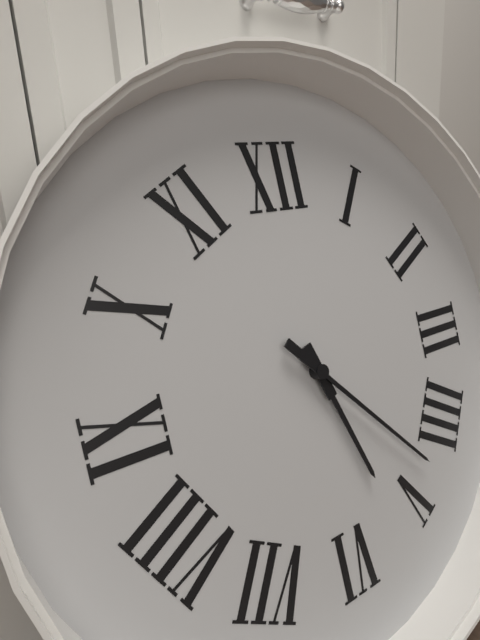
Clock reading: 5.23
